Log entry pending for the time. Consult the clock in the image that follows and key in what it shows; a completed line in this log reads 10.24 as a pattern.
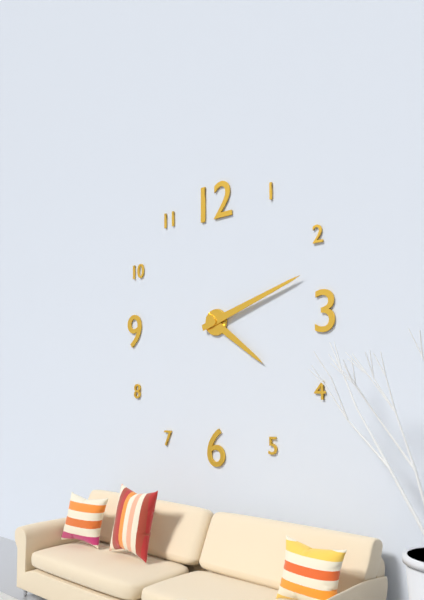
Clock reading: 4.12
